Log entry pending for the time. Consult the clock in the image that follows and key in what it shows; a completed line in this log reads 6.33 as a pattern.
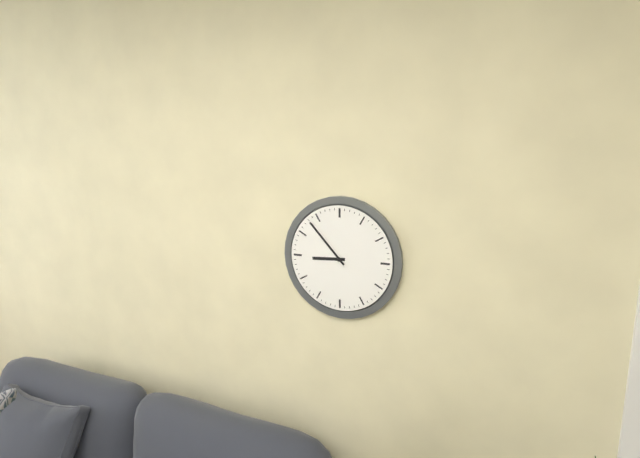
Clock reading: 8.53
